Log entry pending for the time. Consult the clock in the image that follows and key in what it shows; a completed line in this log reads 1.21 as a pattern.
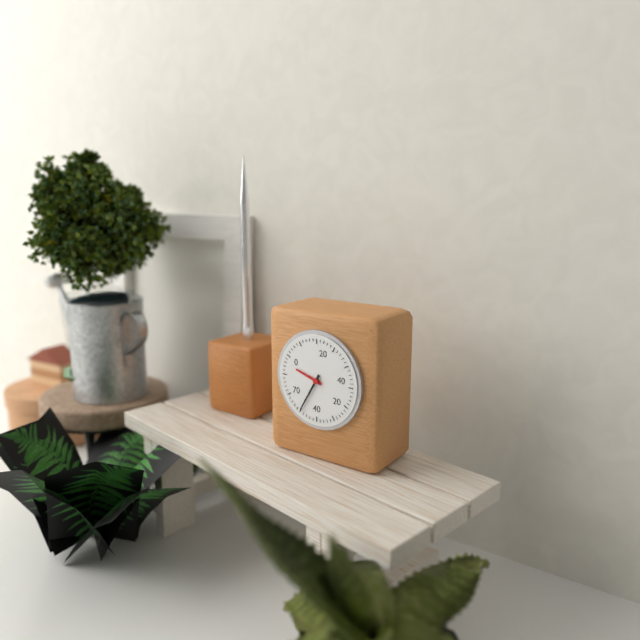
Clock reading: 9.35
